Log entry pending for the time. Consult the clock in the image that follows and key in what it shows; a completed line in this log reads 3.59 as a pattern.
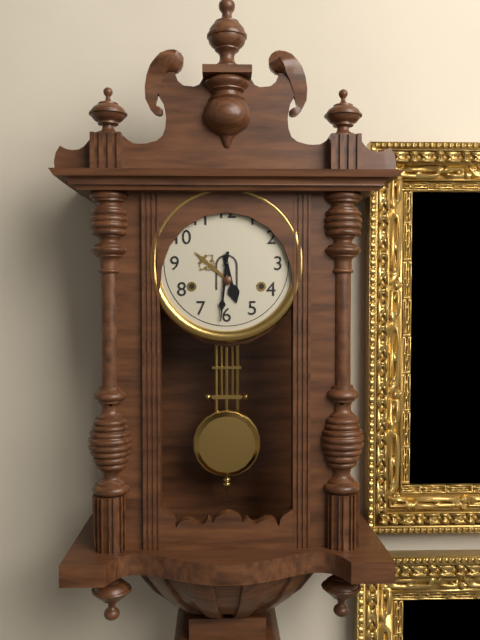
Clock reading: 5.31
